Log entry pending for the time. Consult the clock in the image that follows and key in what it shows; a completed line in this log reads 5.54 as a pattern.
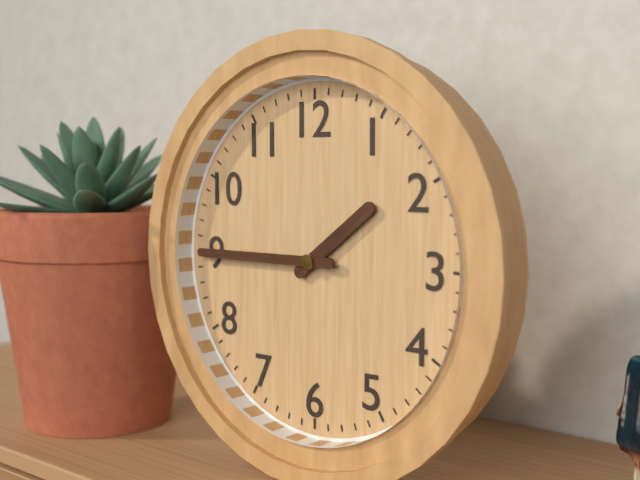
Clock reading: 1.45
